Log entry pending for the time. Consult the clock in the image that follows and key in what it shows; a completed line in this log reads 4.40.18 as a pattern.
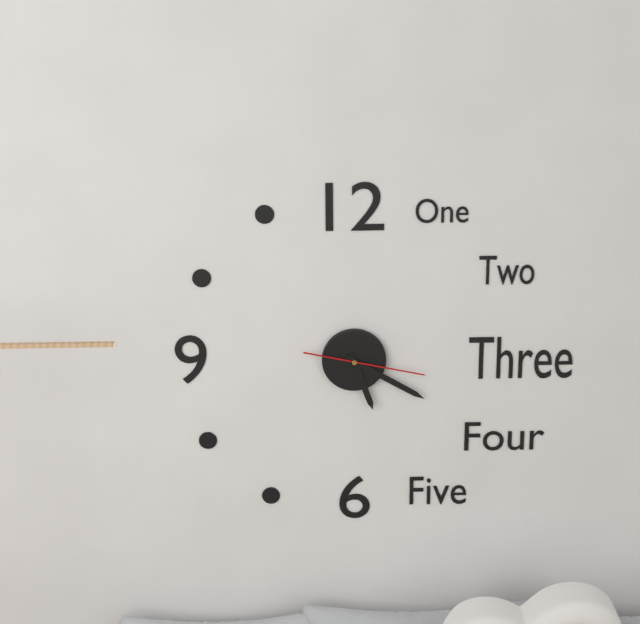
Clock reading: 5.20.17
